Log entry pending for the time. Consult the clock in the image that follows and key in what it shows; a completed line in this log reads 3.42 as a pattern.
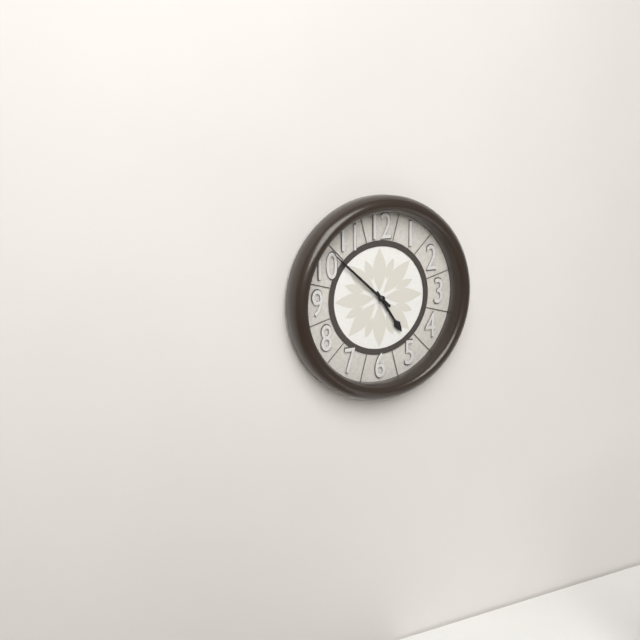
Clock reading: 4.52
